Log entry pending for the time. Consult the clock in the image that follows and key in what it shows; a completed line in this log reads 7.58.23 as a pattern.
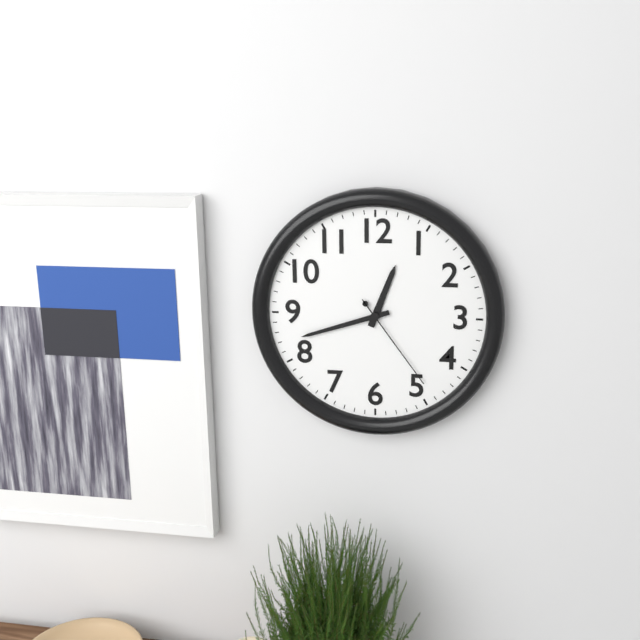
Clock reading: 12.42.24
